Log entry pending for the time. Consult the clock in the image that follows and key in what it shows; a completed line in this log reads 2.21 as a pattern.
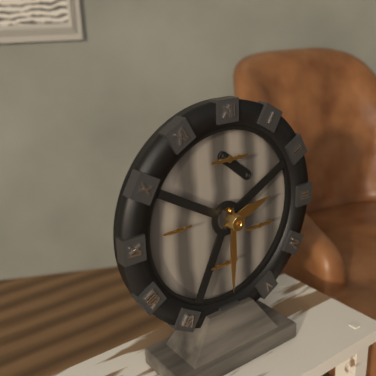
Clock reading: 2.30
